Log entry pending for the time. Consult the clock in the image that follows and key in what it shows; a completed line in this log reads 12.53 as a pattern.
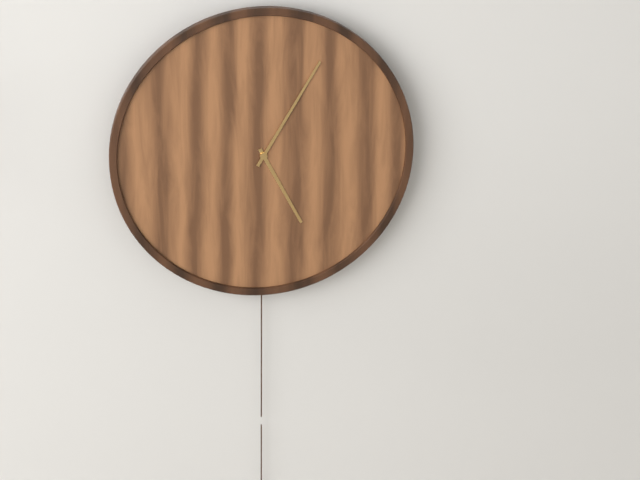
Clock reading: 5.05
